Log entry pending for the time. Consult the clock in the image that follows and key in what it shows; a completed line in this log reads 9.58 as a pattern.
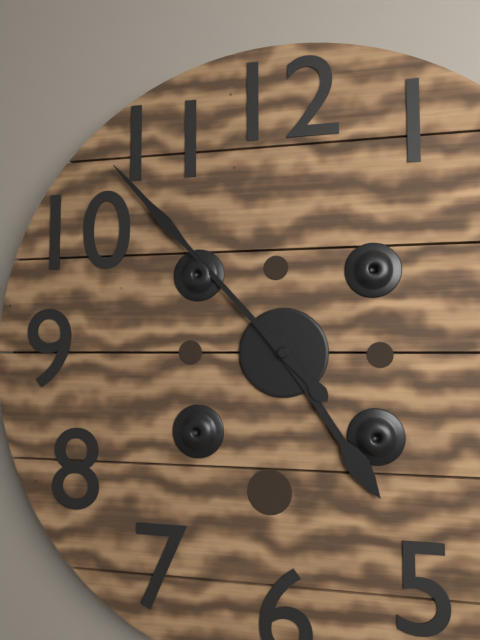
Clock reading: 4.53
